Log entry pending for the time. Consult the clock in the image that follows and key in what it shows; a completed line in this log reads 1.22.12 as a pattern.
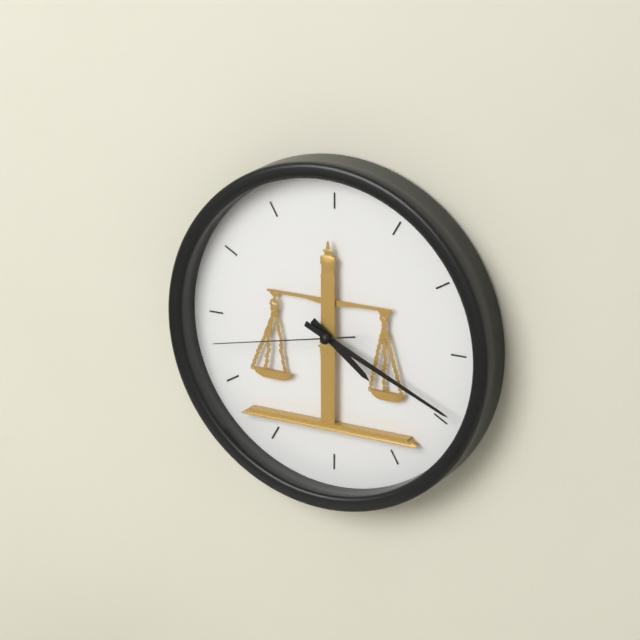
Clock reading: 4.19.43
